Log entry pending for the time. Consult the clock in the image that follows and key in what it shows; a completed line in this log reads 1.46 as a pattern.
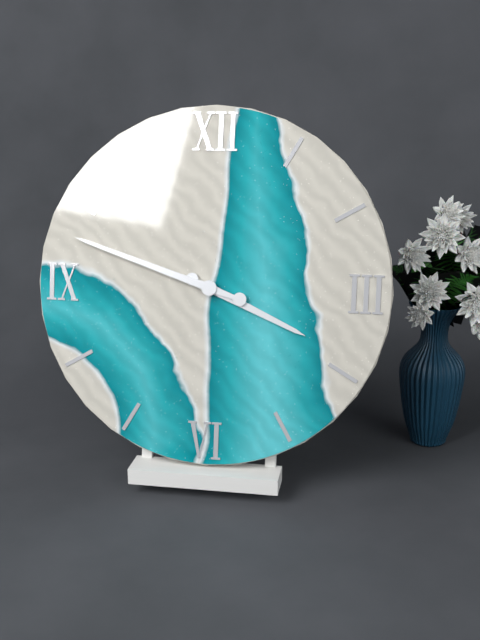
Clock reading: 3.48
